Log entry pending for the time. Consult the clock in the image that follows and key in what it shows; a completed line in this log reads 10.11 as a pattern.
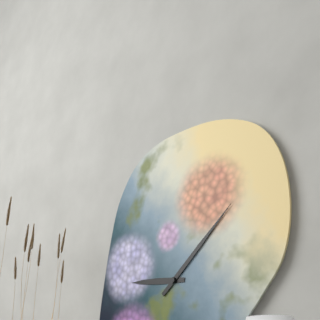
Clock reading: 9.08
